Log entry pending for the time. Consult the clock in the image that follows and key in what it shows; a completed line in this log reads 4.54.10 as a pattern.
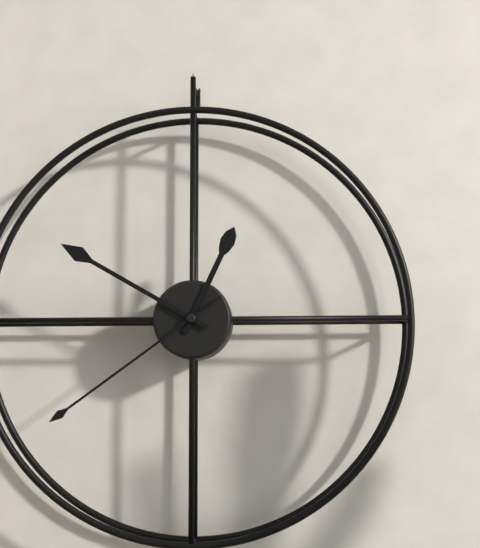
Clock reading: 12.50.39
